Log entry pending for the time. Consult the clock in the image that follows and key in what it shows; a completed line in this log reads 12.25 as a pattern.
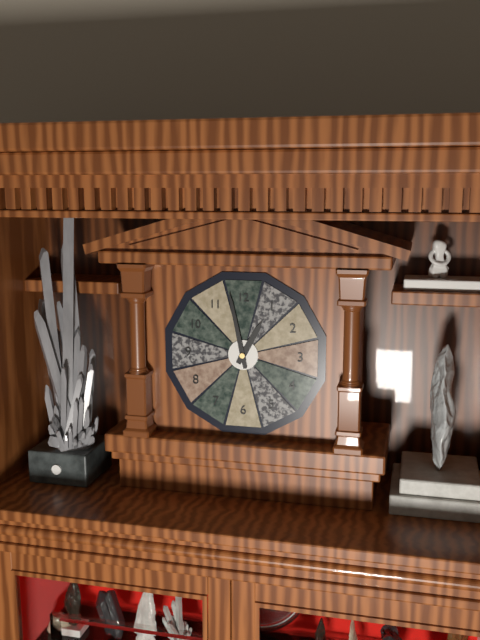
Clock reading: 12.58
